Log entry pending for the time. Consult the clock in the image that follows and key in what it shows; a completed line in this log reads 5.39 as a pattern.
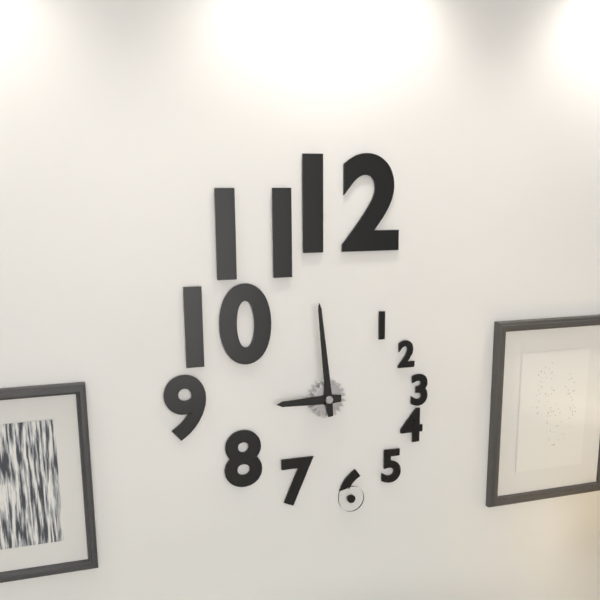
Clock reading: 8.59
